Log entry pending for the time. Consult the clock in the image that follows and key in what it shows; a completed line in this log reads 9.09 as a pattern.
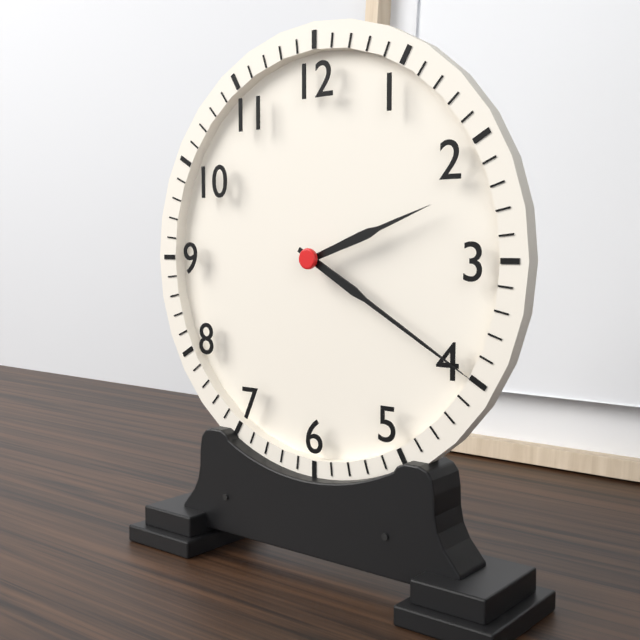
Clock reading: 2.20
